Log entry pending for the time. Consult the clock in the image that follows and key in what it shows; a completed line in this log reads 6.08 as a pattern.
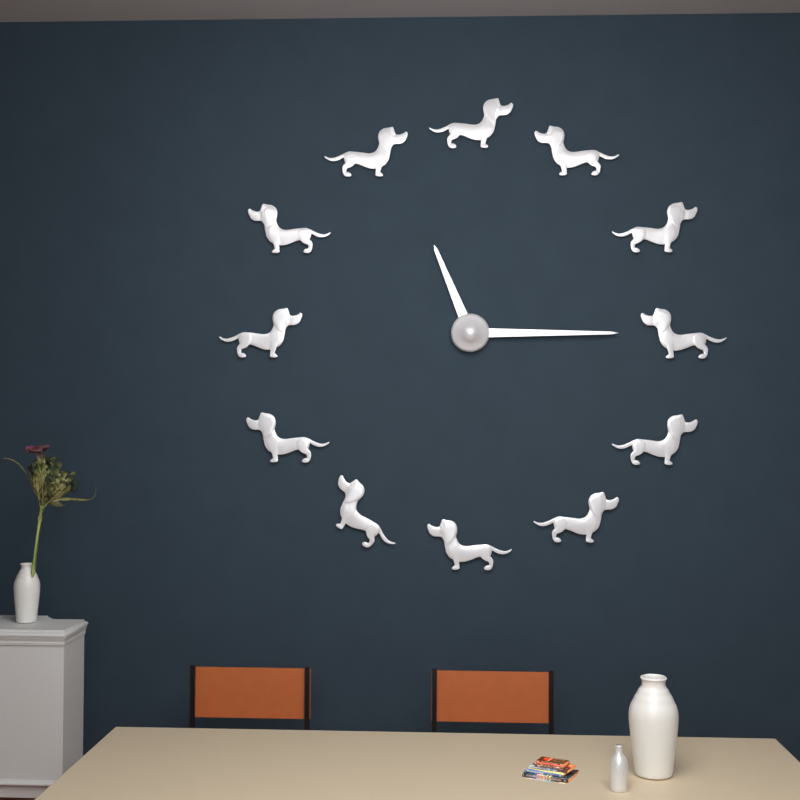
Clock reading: 11.15
